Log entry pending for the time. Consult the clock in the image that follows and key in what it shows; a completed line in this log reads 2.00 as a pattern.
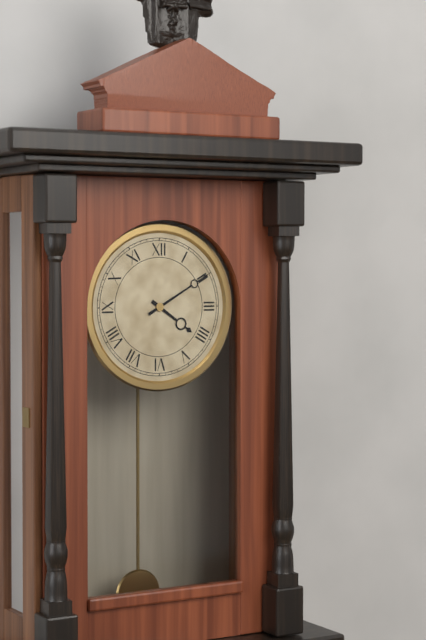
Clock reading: 4.10
